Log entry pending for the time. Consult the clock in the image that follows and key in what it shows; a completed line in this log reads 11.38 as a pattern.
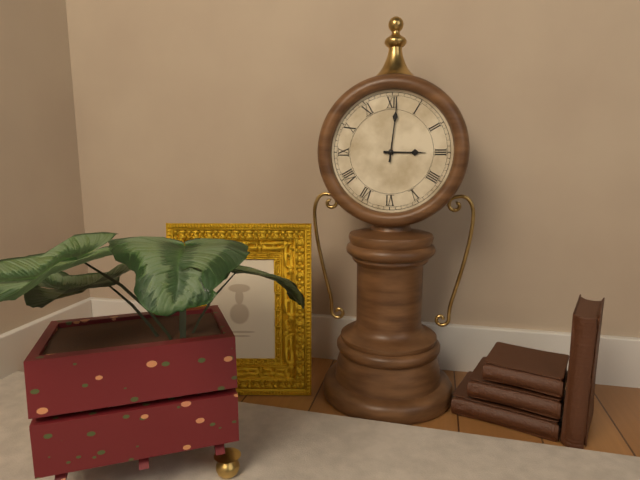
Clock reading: 3.01
